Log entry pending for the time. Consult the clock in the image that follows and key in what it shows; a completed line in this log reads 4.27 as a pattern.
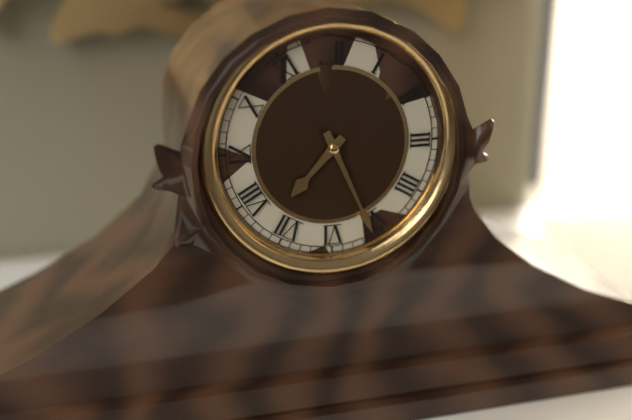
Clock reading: 7.26
